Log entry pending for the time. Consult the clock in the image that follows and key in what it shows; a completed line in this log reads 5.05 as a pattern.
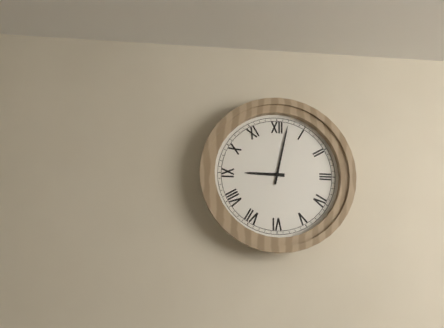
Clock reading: 9.02
